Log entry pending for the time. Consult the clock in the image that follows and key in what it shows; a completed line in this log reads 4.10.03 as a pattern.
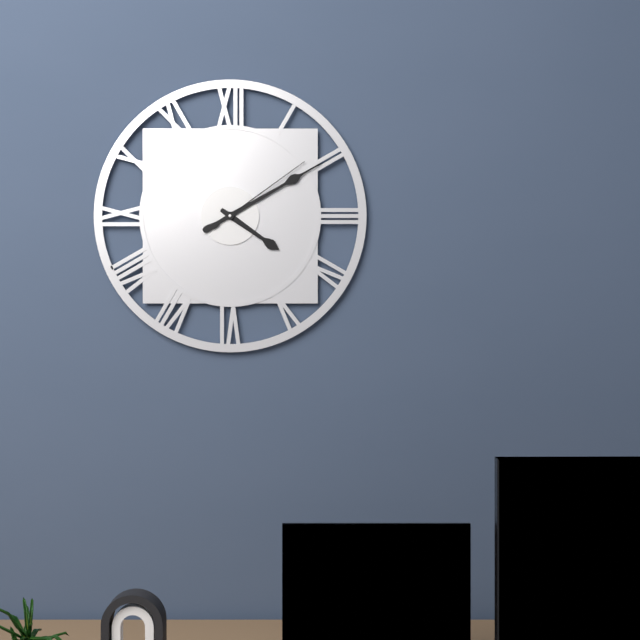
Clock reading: 4.10.09
